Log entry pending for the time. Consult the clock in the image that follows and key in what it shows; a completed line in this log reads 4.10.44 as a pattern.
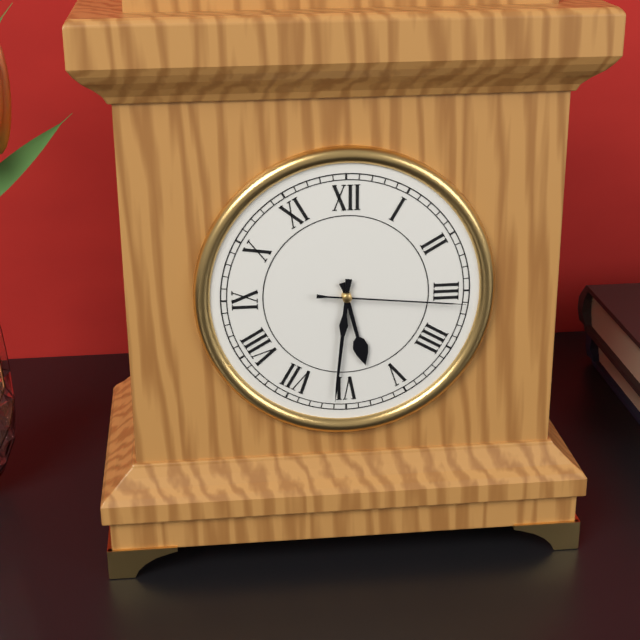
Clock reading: 5.31.16
